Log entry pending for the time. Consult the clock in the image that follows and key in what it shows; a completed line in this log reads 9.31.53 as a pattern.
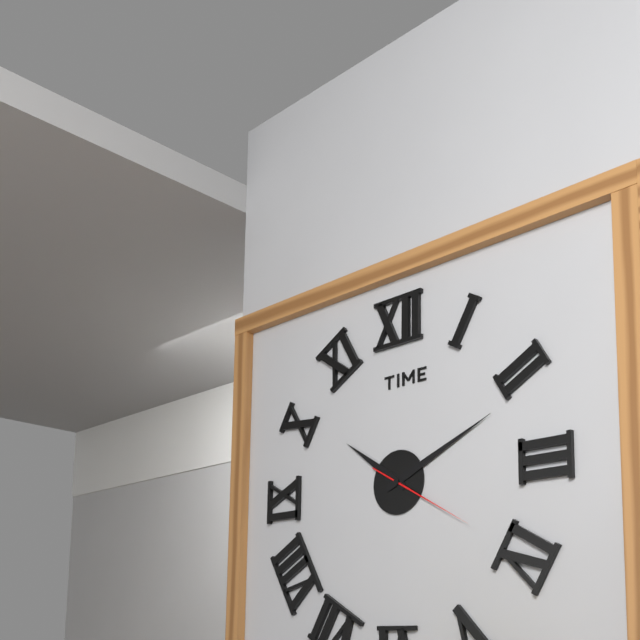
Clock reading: 10.11.20
